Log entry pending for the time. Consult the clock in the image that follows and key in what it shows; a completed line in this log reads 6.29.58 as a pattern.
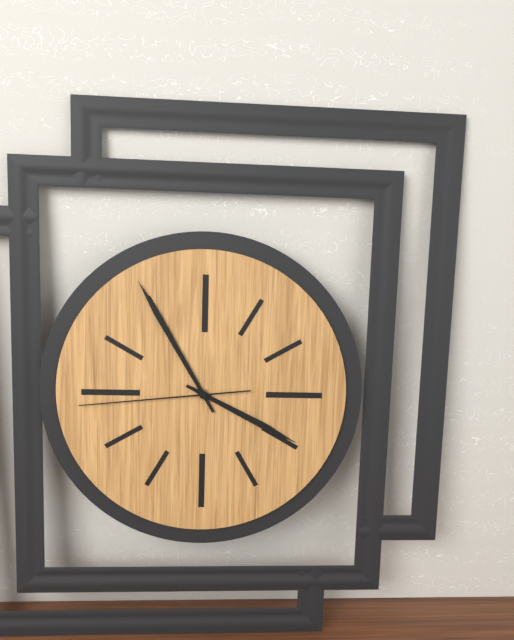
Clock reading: 3.55.44
